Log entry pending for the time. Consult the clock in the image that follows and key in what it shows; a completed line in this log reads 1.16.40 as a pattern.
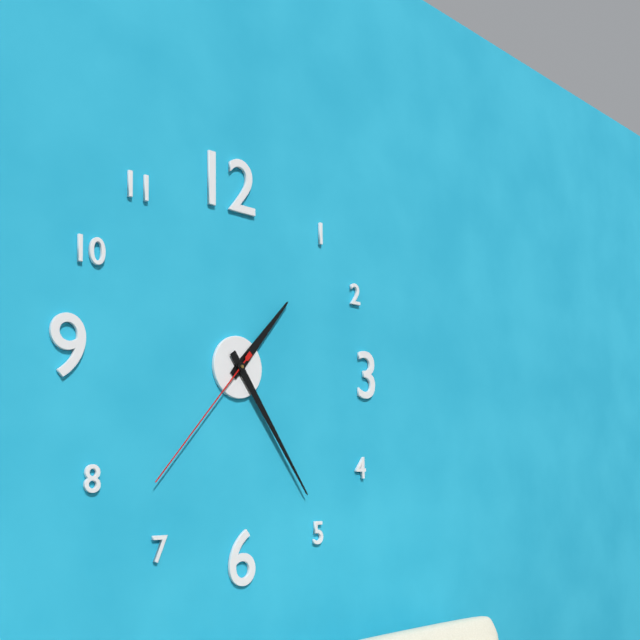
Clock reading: 1.24.37
